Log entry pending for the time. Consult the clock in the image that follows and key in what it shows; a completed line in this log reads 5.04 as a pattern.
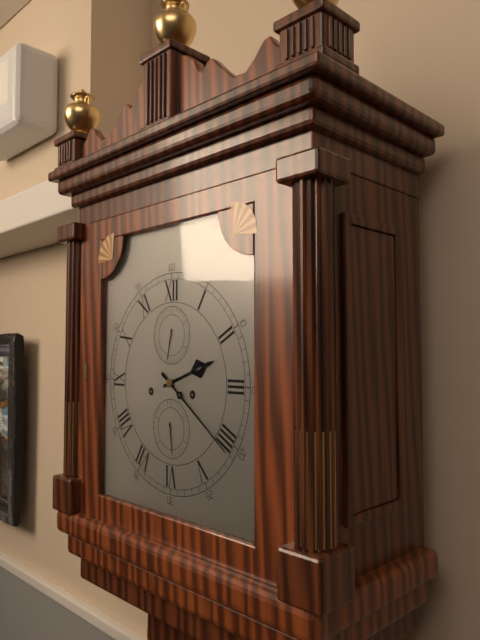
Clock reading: 2.21
